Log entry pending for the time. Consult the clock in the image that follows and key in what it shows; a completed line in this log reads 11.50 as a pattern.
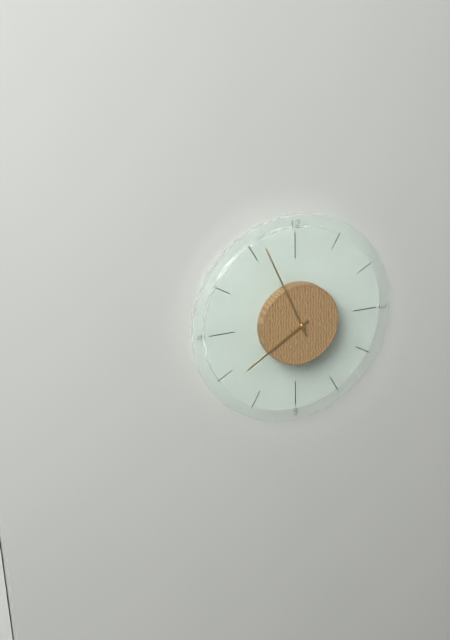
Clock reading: 7.56
